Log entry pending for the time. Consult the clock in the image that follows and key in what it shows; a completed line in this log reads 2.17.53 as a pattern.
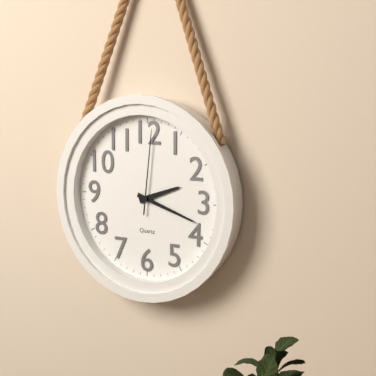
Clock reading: 2.18.01
